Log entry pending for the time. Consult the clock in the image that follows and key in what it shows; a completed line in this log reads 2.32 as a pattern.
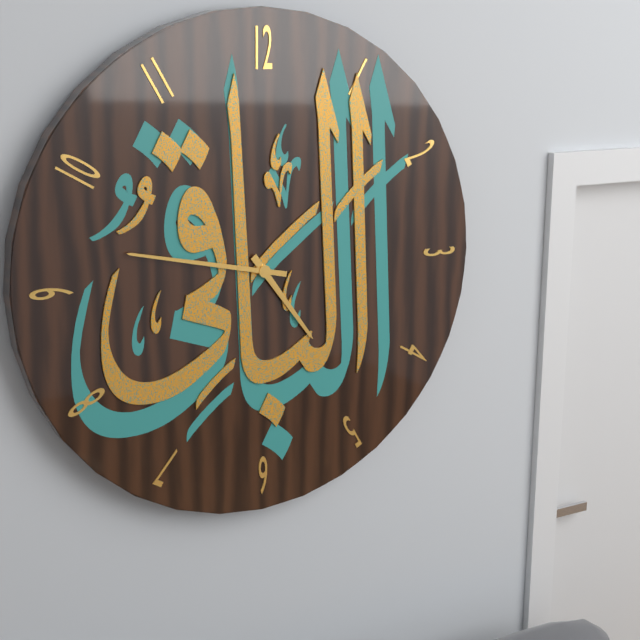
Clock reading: 4.47
